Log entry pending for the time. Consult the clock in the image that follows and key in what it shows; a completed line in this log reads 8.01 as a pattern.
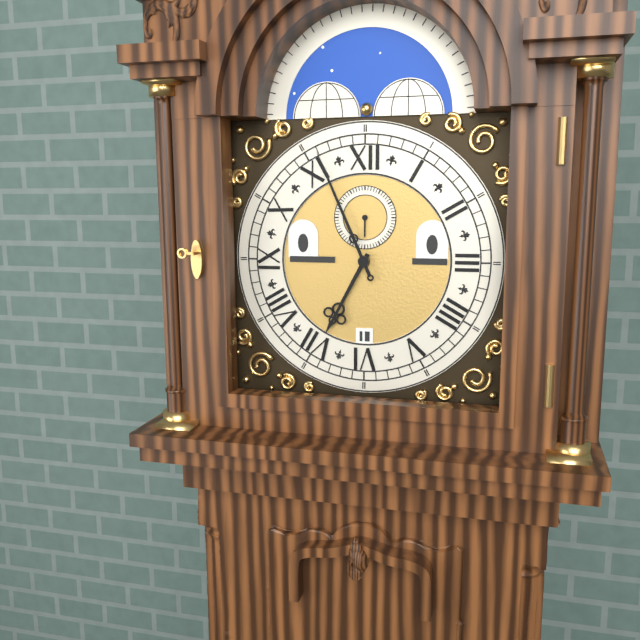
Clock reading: 6.56
